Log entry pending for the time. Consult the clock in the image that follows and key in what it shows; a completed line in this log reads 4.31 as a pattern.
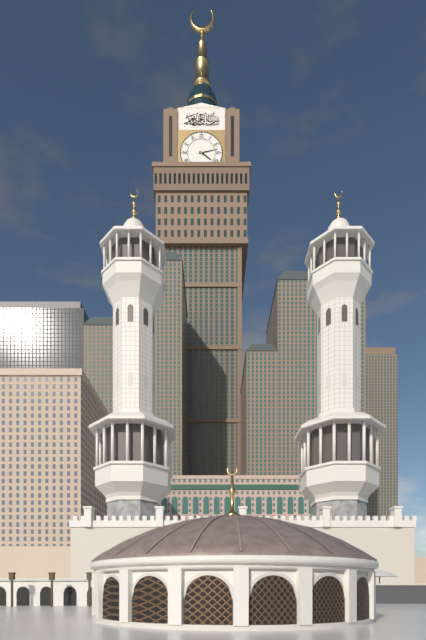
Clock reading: 4.13
